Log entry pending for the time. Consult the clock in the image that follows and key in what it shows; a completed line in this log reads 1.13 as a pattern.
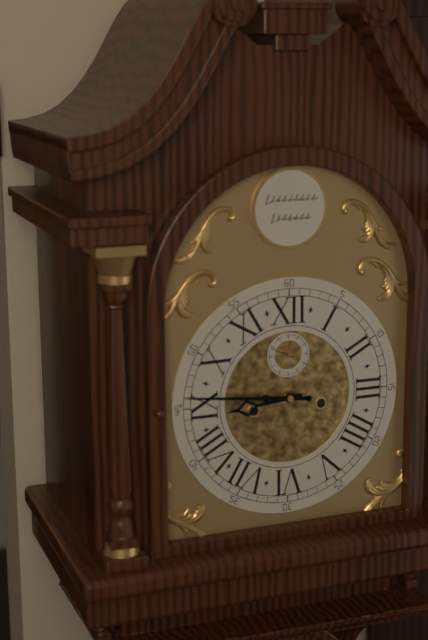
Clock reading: 8.46
